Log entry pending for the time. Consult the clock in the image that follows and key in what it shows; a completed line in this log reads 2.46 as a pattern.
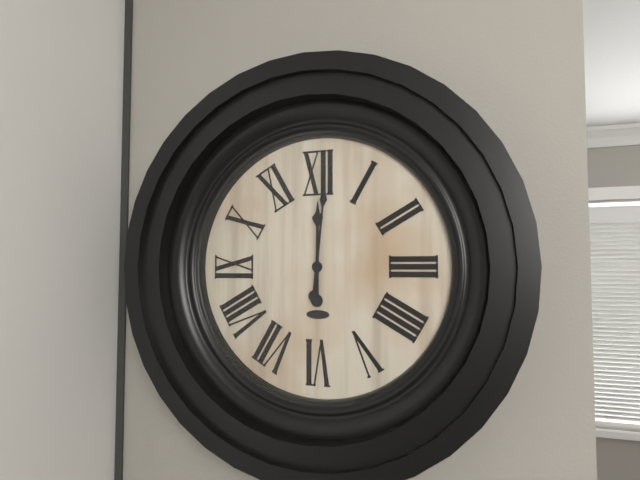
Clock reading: 12.01
